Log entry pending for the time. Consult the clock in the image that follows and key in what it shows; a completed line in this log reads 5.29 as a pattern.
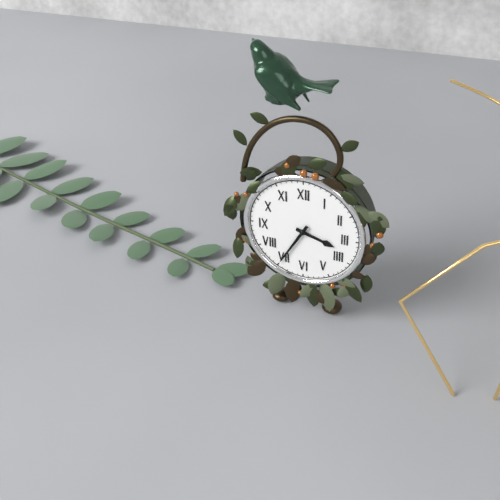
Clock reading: 3.35
